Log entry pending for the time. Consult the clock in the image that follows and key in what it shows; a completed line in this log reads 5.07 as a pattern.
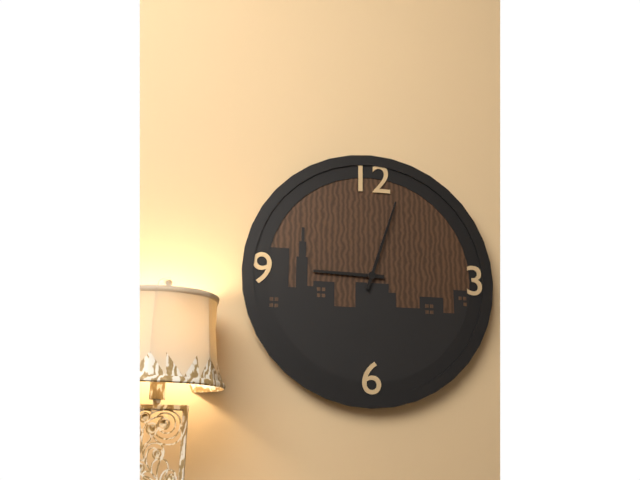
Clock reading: 9.03
